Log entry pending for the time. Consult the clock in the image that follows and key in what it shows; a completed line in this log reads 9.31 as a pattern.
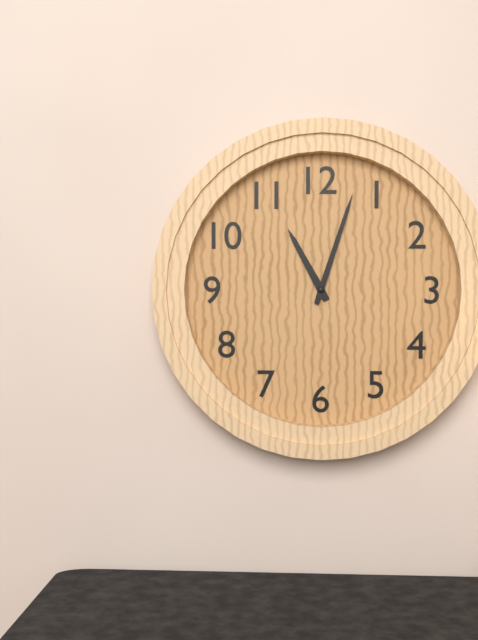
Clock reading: 11.03
